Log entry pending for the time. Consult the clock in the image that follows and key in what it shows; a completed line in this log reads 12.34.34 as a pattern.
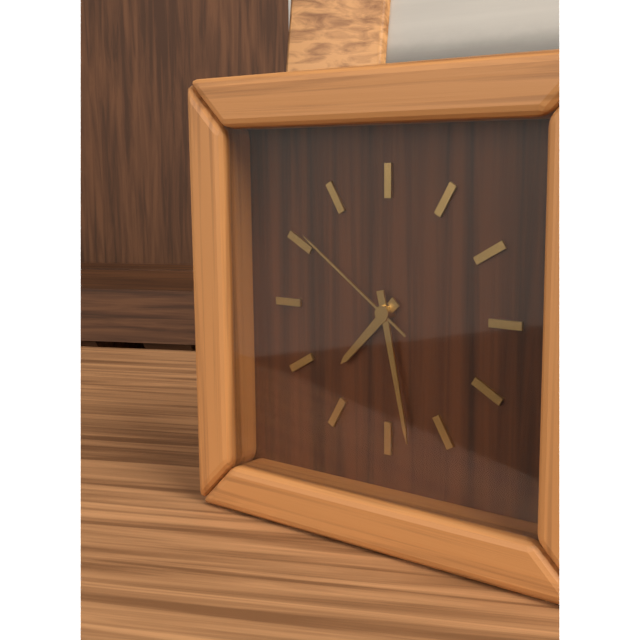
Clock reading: 7.28.51
